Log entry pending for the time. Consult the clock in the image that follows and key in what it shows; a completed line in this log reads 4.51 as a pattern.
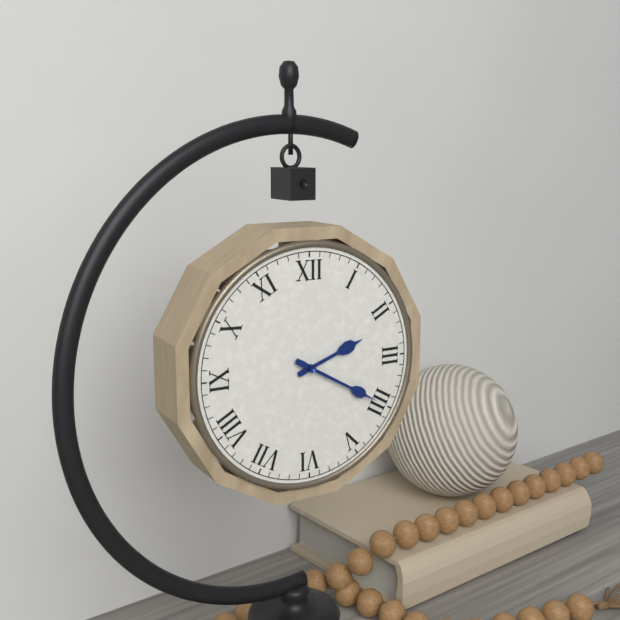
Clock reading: 2.20
